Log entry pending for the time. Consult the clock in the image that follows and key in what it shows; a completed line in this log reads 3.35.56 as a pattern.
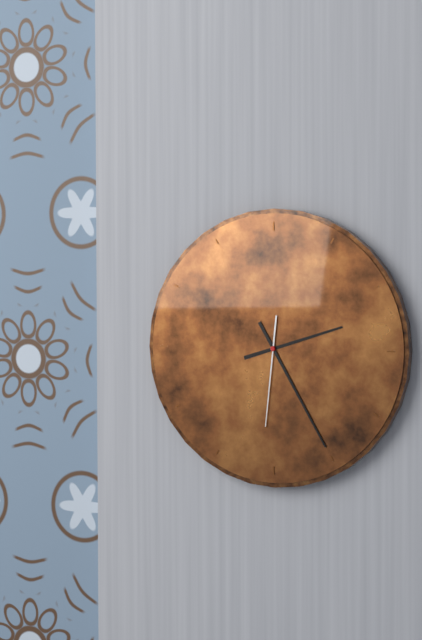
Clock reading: 2.25.31
